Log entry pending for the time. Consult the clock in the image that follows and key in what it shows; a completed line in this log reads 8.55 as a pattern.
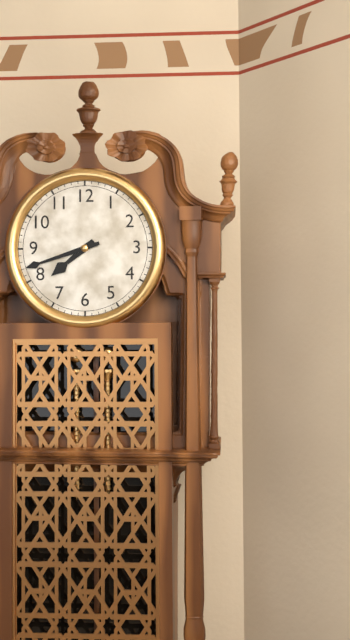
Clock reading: 7.42
